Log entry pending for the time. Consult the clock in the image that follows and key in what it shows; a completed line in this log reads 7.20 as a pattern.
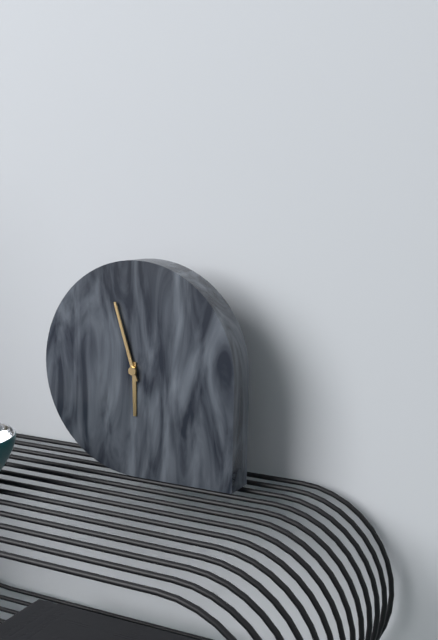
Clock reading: 5.57
